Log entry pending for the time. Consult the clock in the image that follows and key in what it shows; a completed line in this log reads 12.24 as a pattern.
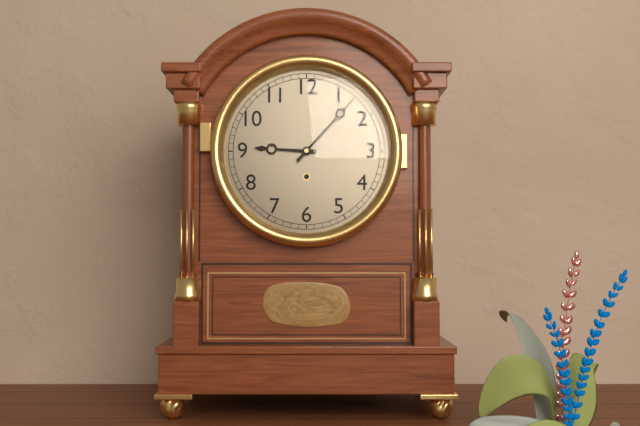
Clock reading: 9.07
